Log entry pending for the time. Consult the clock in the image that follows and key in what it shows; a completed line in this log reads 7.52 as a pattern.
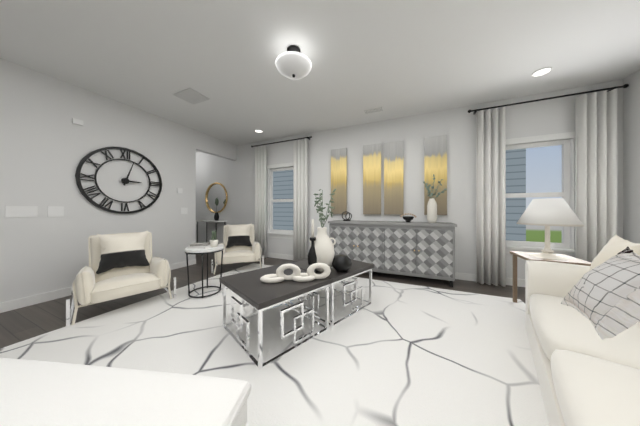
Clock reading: 3.03
